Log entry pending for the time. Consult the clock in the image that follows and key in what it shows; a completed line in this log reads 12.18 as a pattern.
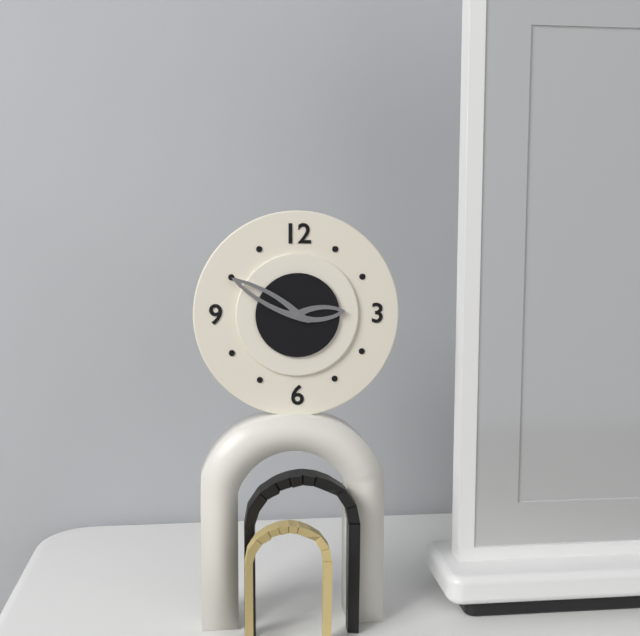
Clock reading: 2.50
